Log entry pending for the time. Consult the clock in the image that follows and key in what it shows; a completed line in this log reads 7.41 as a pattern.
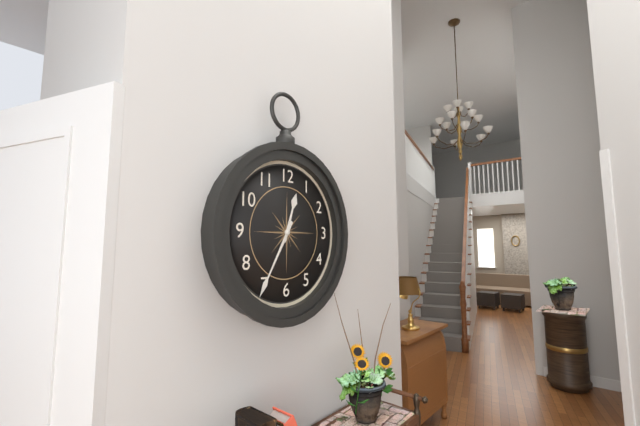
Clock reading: 12.35
